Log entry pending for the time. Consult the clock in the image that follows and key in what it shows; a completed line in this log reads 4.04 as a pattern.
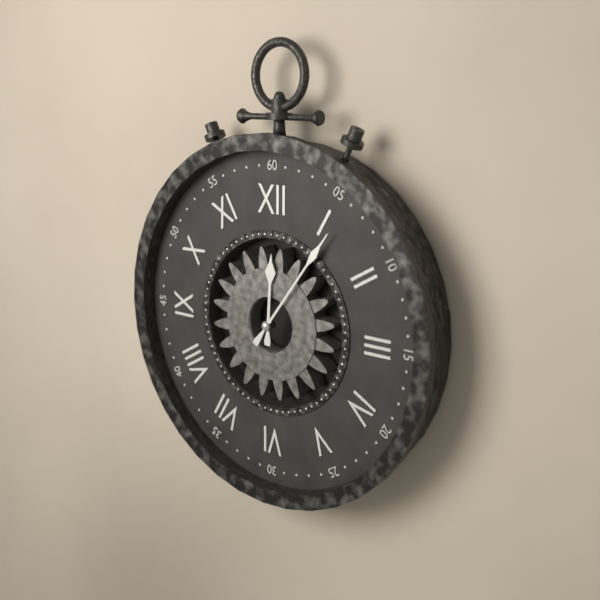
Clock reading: 12.06
